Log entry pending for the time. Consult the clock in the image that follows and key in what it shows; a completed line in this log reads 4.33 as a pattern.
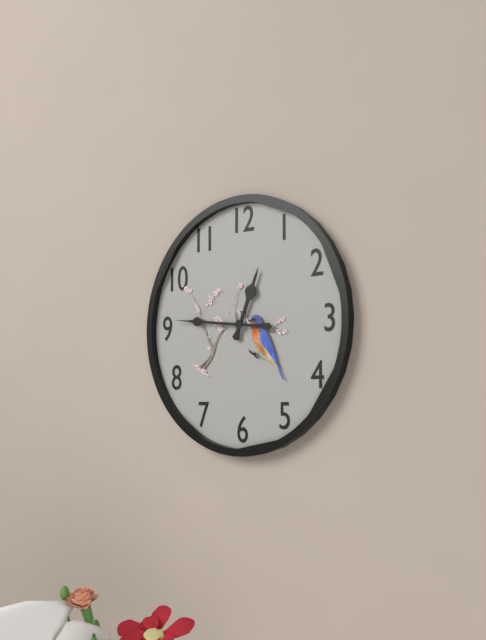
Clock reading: 12.46
